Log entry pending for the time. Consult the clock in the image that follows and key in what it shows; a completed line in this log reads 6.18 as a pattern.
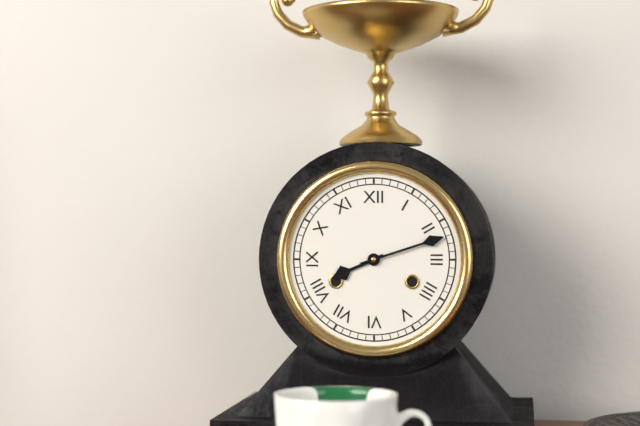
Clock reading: 8.12
